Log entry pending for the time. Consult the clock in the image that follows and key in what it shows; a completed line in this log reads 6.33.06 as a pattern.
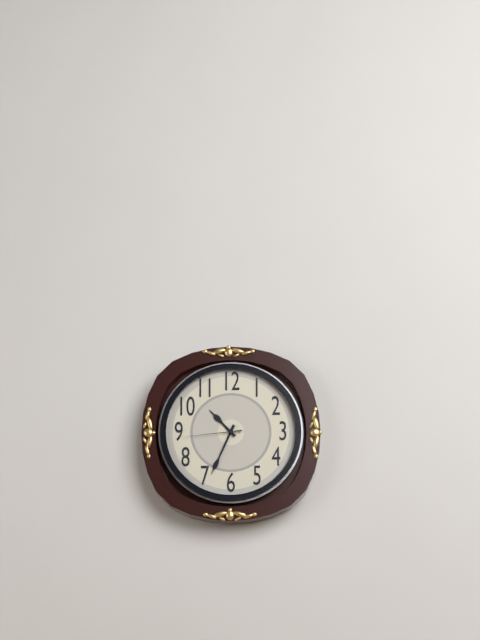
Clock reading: 10.34.44
